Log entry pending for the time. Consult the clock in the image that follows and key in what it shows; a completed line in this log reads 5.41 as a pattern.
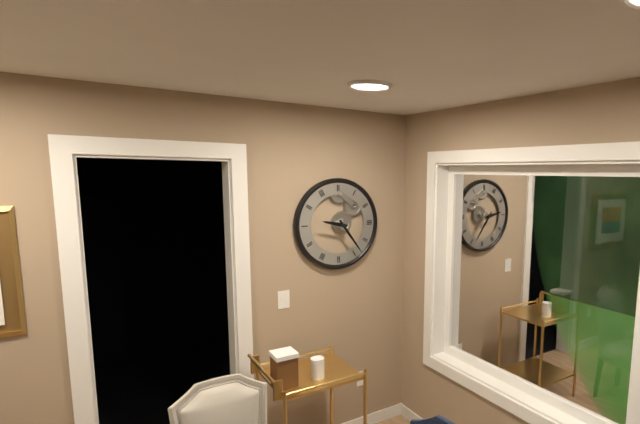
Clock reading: 9.24
